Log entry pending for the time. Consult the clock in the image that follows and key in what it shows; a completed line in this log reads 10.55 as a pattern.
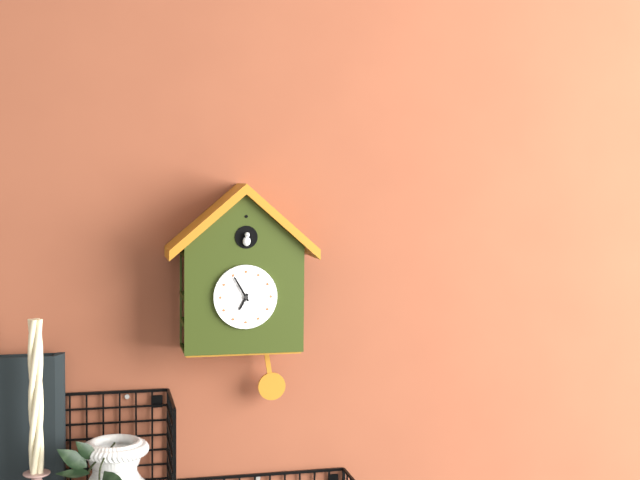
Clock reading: 6.55
